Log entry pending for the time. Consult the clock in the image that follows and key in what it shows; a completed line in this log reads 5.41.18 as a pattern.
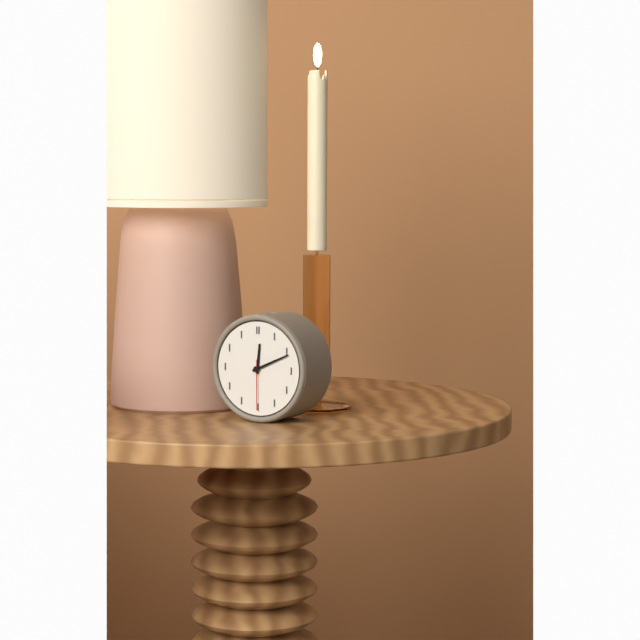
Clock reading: 12.11.30
